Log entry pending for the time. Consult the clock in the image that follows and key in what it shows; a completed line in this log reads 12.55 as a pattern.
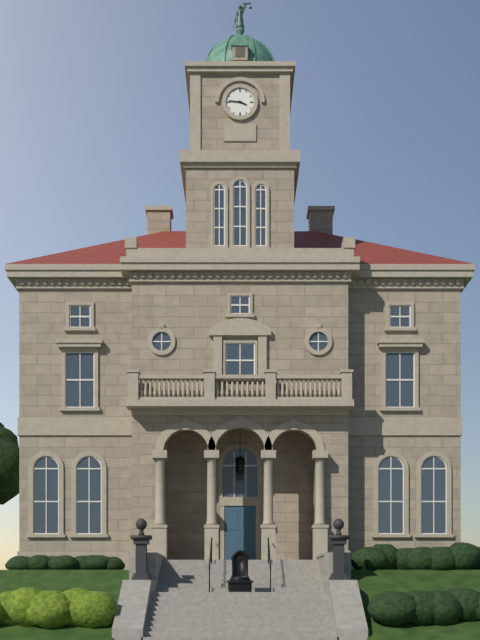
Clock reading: 3.46
